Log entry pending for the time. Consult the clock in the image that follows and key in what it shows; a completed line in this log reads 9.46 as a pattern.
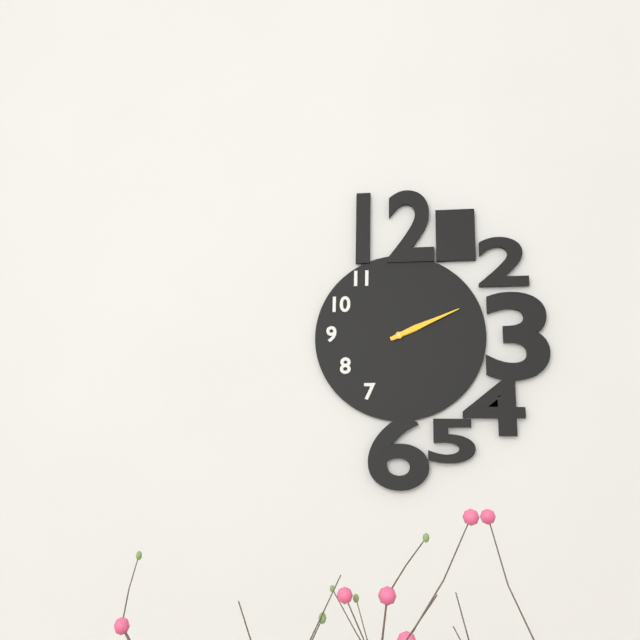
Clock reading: 2.11
